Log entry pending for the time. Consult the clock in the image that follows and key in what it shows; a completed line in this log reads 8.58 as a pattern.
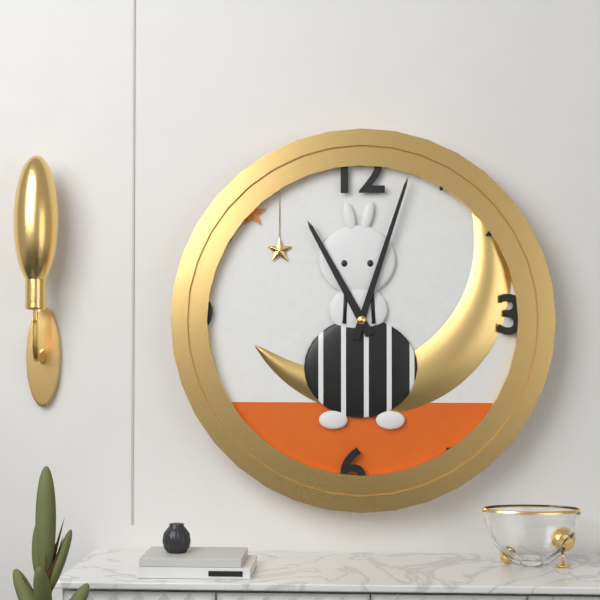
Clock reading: 11.03
